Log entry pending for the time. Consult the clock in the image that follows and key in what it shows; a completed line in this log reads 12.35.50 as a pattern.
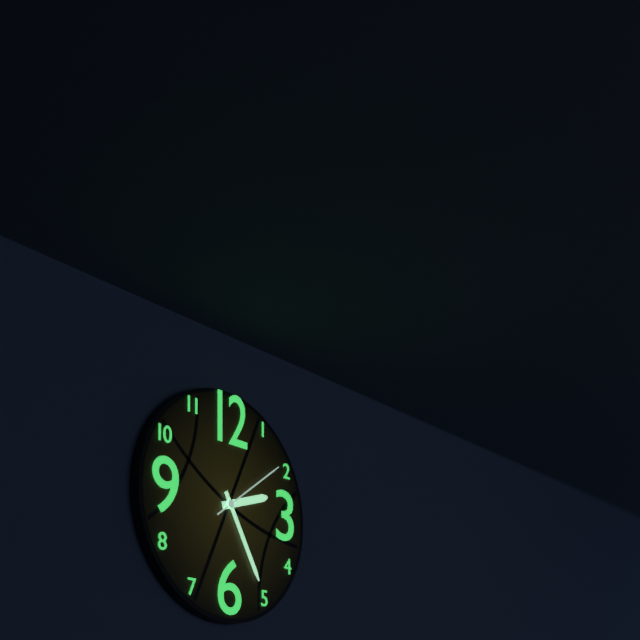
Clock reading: 2.25.09
